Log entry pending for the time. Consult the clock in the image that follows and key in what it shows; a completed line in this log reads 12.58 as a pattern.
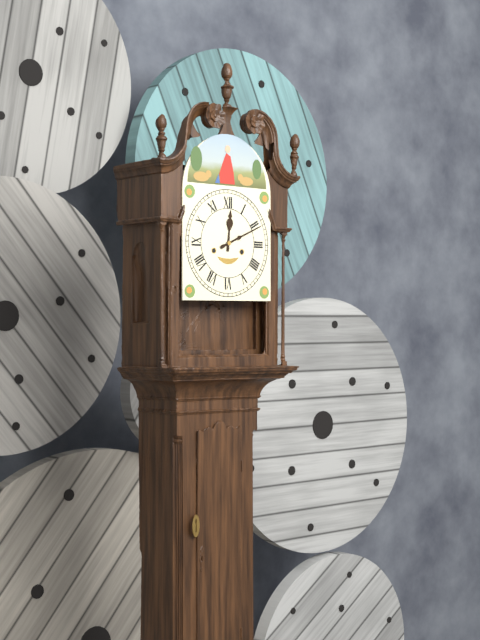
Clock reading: 12.11
